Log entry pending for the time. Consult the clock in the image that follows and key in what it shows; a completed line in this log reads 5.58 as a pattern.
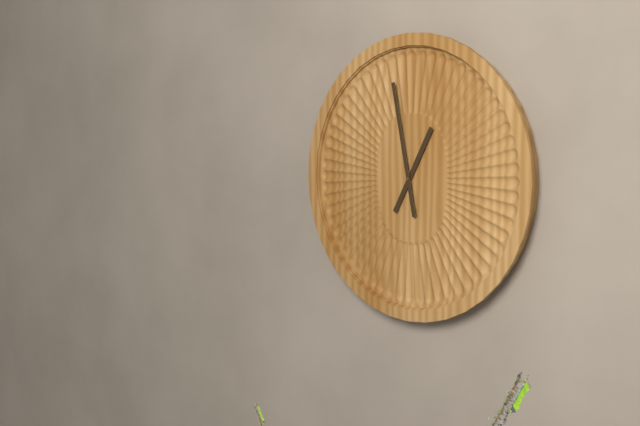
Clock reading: 12.58
